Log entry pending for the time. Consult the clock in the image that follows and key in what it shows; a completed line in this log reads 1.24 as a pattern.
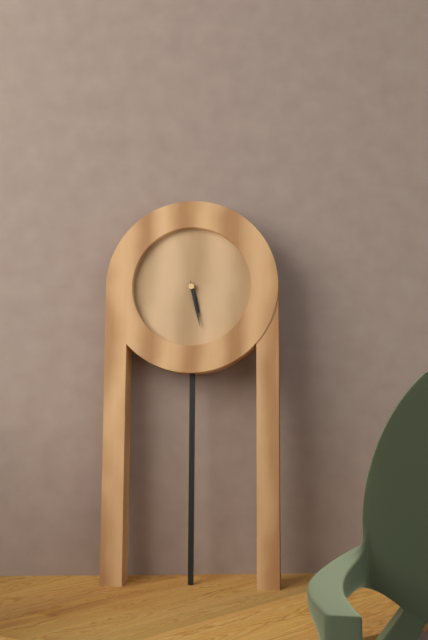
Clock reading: 5.28
